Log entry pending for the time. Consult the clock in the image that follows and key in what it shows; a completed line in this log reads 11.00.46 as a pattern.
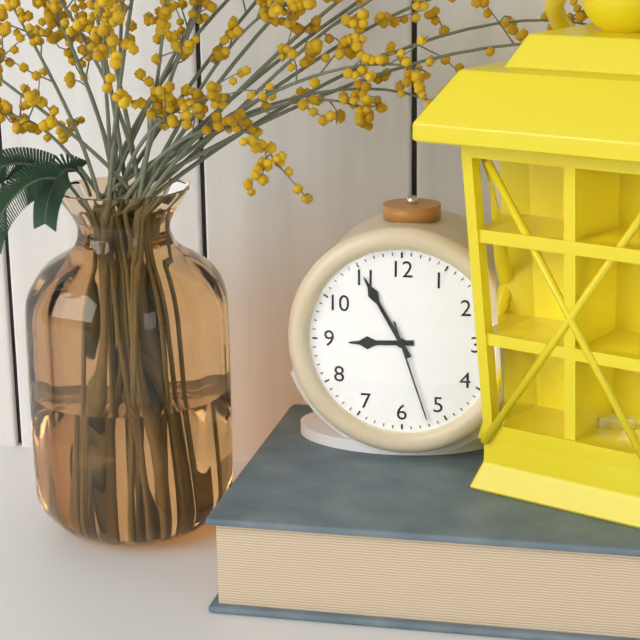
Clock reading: 8.55.27
